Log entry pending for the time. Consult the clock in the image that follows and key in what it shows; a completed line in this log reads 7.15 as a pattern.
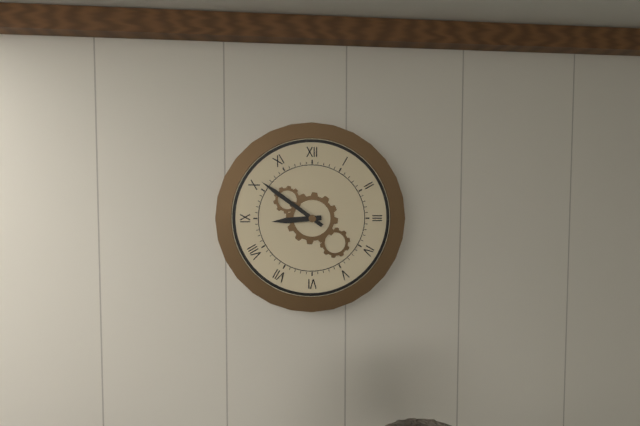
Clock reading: 8.51
